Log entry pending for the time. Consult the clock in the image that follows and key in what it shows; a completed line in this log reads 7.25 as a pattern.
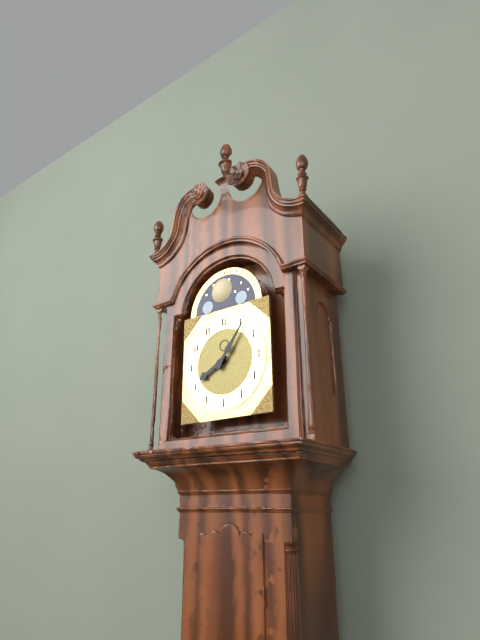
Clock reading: 8.06
